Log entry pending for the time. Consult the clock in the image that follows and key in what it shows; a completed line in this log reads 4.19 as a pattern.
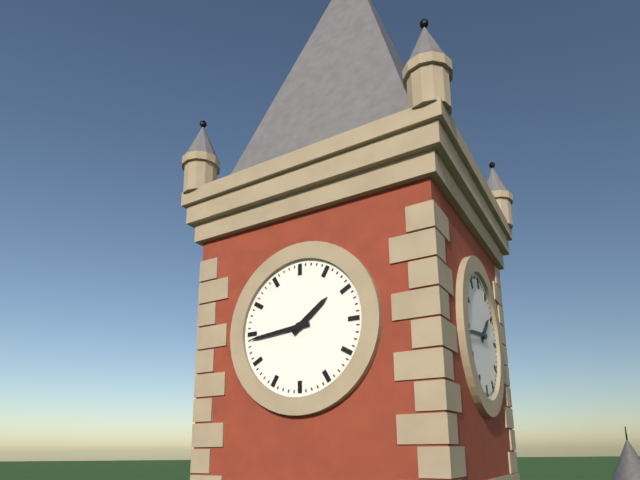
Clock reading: 1.44
